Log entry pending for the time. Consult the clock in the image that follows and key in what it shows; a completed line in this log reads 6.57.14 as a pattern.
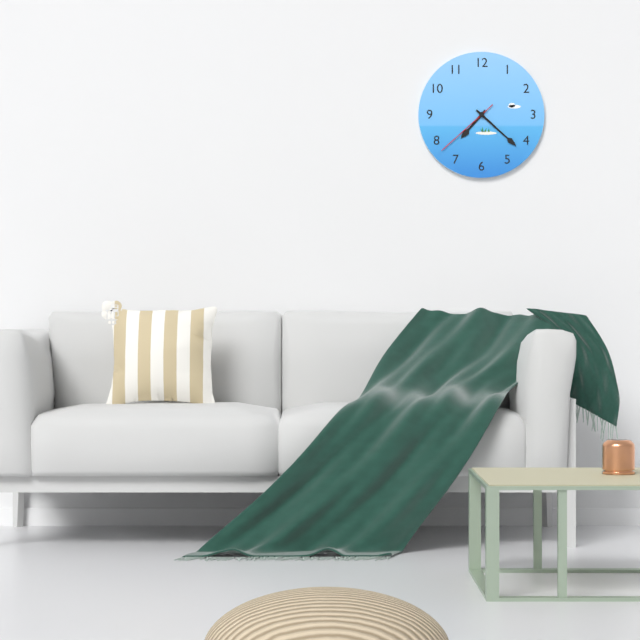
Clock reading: 7.22.38
